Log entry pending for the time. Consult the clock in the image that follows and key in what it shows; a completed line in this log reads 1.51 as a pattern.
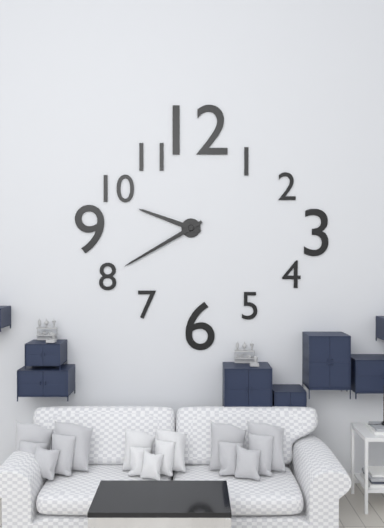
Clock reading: 9.40
